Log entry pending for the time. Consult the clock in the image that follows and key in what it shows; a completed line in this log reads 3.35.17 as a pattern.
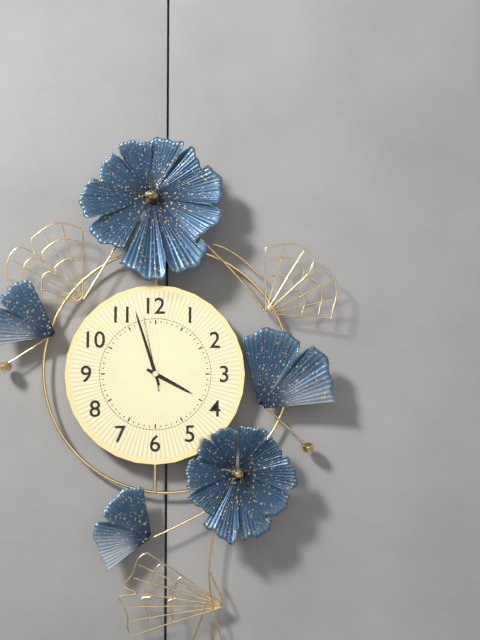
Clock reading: 3.57.58
